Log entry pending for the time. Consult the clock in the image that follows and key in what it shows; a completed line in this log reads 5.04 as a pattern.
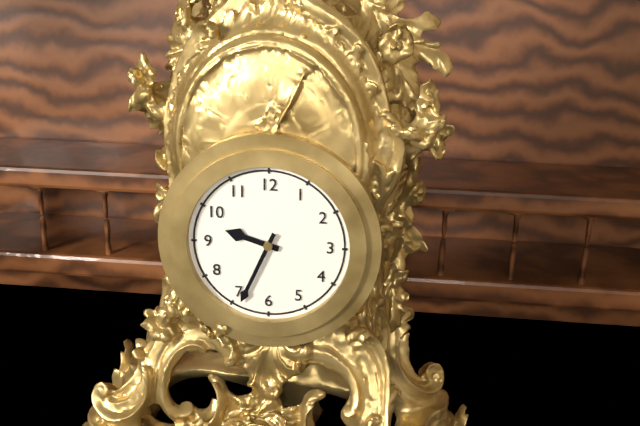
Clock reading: 9.34
